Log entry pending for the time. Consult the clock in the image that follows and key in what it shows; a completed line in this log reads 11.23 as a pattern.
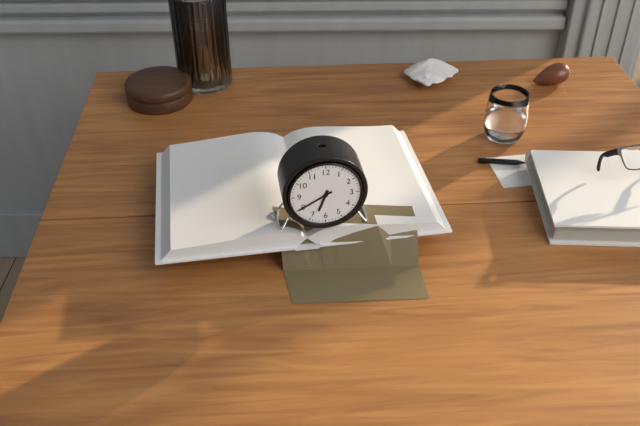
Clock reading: 6.40
